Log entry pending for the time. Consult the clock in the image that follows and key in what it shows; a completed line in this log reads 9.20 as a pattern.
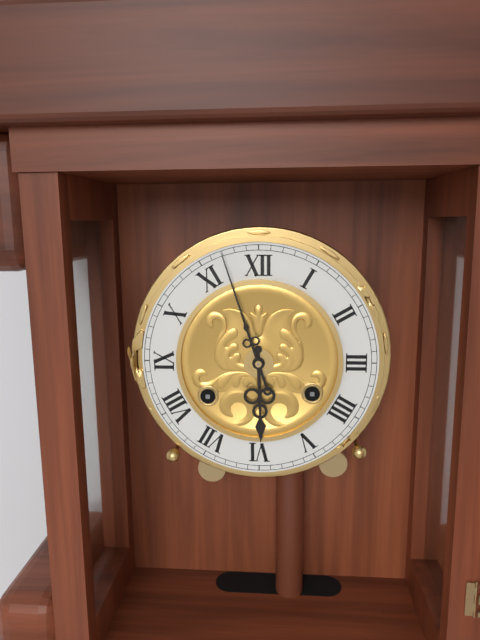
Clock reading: 5.57
